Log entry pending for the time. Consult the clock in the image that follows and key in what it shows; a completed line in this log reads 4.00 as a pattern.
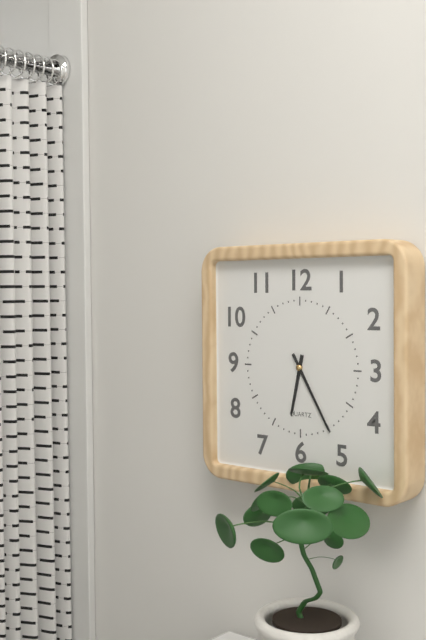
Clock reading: 6.25
